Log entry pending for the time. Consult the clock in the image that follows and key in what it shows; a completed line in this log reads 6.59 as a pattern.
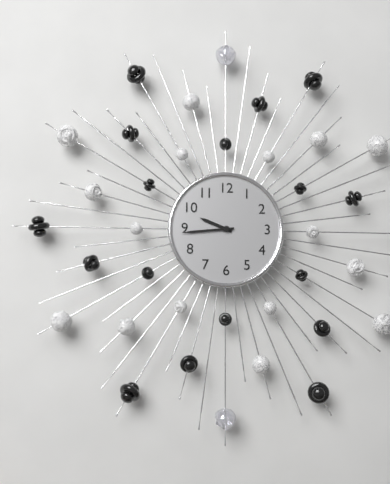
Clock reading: 9.44
